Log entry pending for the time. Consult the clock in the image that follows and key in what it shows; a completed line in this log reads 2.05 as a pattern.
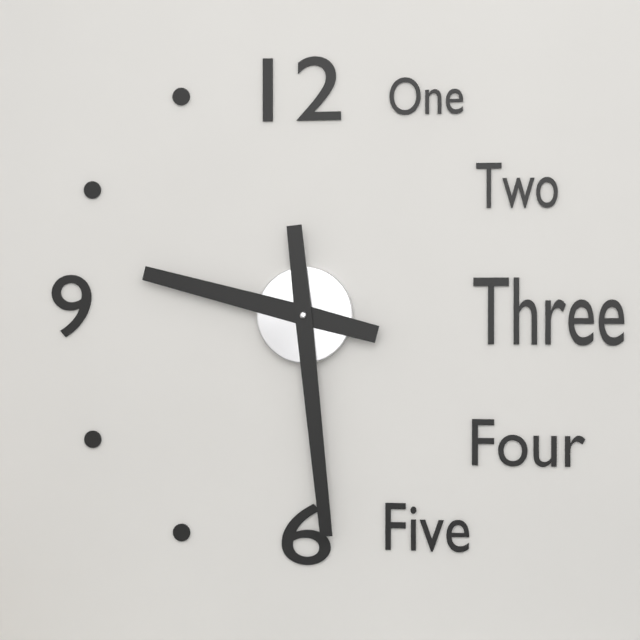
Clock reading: 9.29
